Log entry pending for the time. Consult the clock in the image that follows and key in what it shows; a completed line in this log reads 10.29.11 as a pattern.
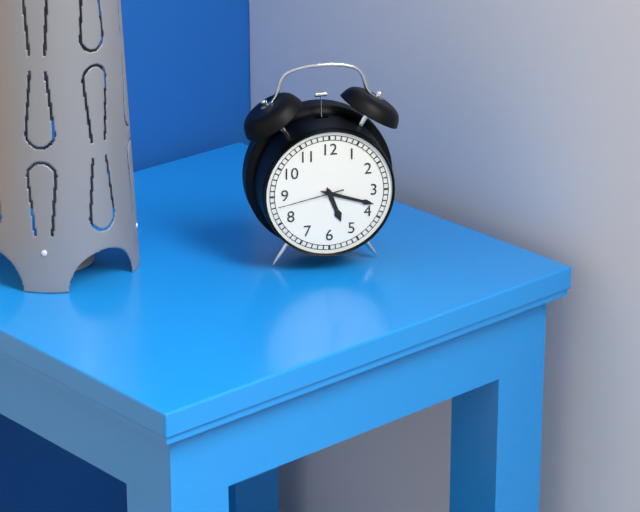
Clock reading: 5.18.43
